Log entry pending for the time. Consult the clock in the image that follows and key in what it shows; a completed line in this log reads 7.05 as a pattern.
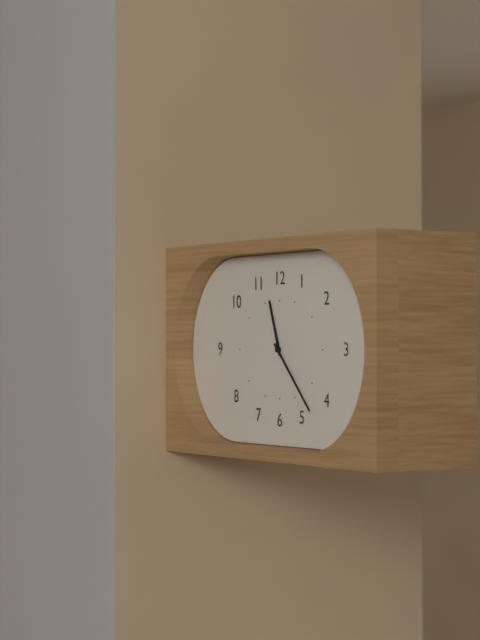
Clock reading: 11.23
